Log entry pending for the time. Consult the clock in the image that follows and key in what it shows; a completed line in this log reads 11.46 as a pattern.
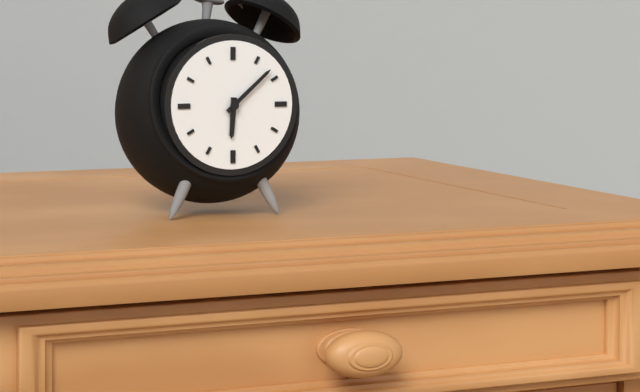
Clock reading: 6.08
